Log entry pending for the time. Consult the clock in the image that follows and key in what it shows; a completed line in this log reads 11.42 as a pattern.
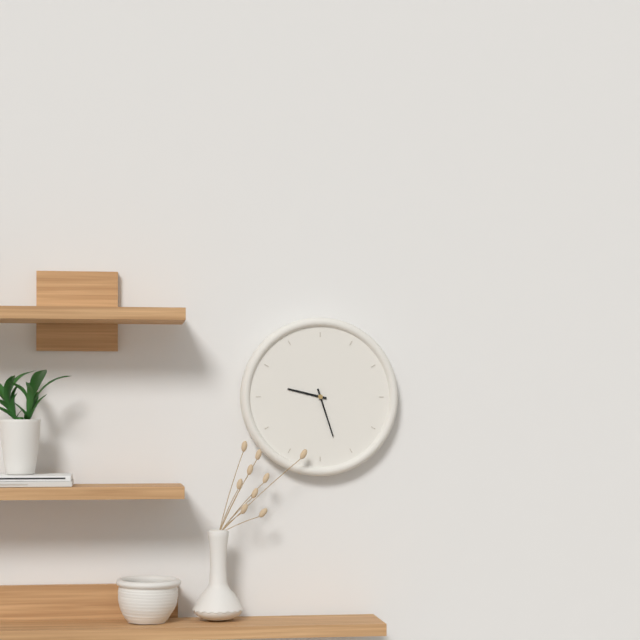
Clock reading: 9.27
